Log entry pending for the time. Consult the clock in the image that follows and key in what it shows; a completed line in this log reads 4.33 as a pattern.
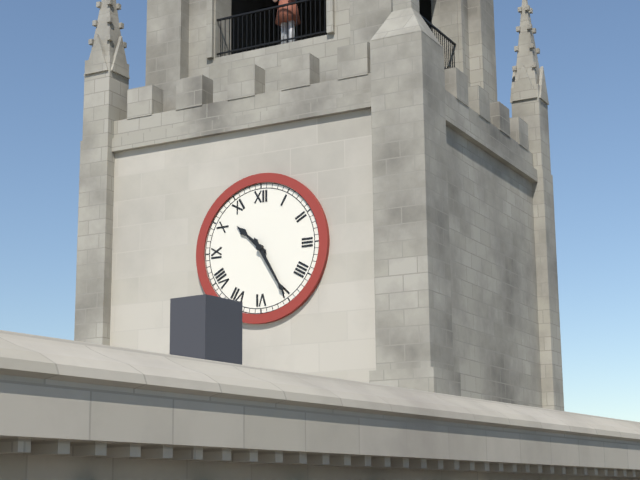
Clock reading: 10.25
